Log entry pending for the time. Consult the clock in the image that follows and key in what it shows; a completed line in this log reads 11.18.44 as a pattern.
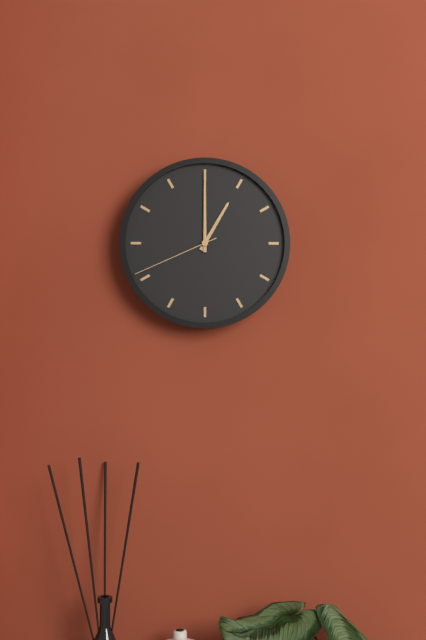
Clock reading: 1.00.41
